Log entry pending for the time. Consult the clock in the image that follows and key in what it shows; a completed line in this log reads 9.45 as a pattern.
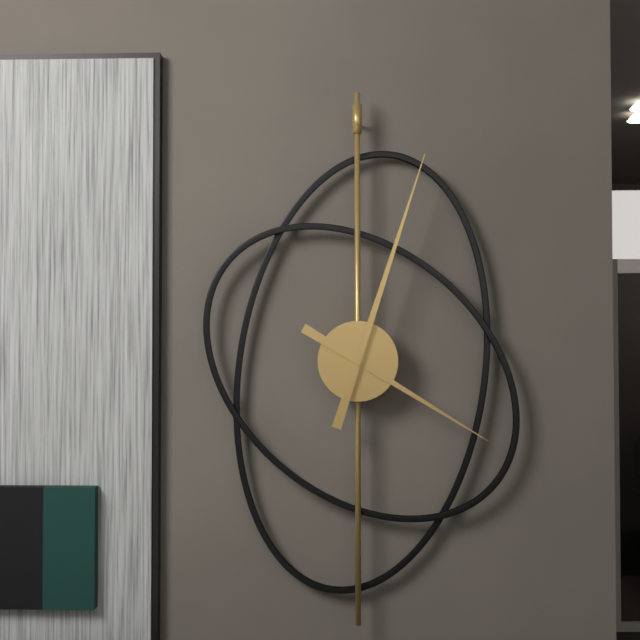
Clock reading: 4.03
